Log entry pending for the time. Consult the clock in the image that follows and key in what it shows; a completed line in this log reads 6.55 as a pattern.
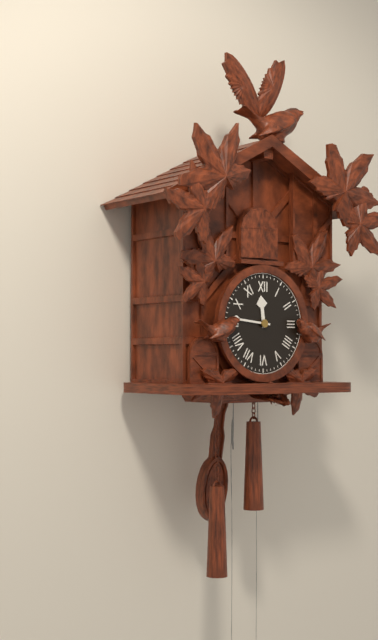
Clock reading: 11.46
